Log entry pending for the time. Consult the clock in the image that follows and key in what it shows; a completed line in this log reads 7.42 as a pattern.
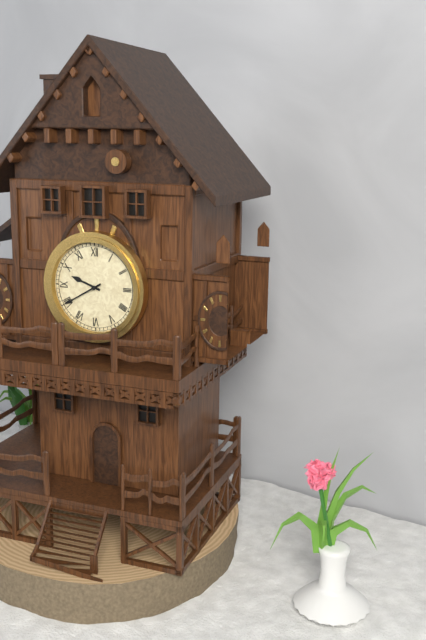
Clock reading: 9.40
